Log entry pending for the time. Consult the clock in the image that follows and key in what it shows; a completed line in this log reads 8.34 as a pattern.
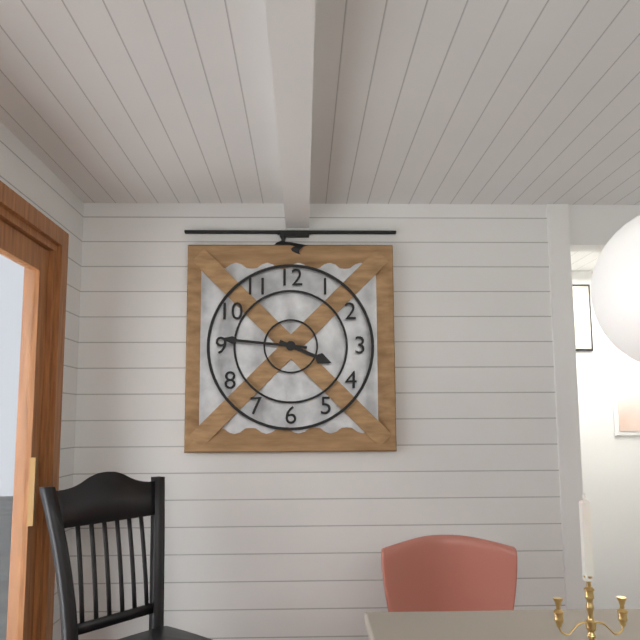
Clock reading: 3.46
